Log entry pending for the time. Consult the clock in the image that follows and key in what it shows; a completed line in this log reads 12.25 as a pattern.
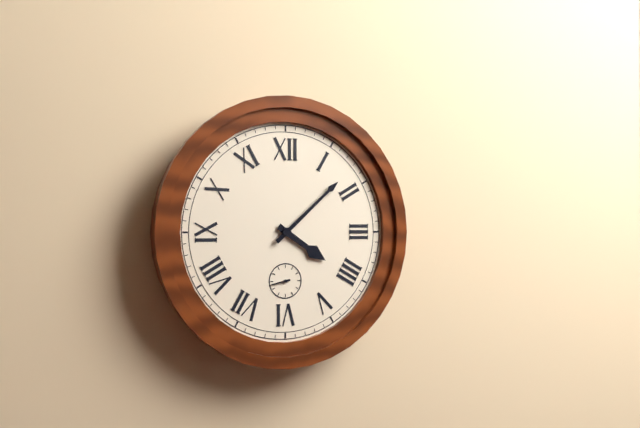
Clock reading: 4.08
